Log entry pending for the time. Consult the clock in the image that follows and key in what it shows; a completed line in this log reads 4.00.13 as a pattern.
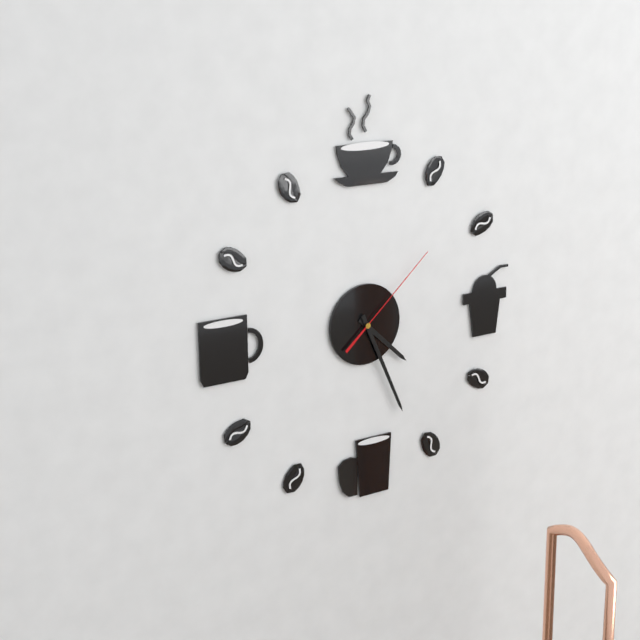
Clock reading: 4.26.08
